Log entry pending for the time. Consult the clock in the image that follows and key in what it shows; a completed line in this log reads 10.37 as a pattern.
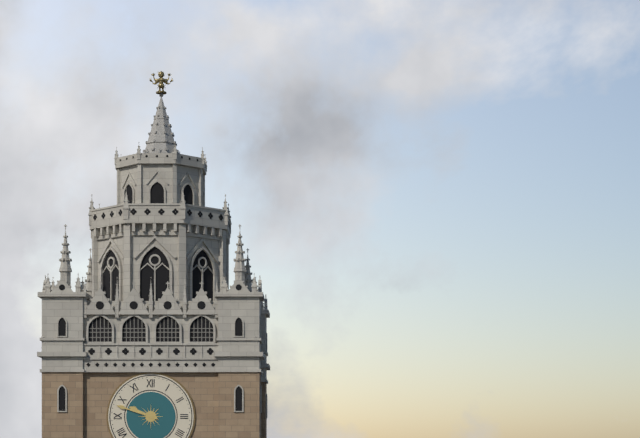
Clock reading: 9.48
